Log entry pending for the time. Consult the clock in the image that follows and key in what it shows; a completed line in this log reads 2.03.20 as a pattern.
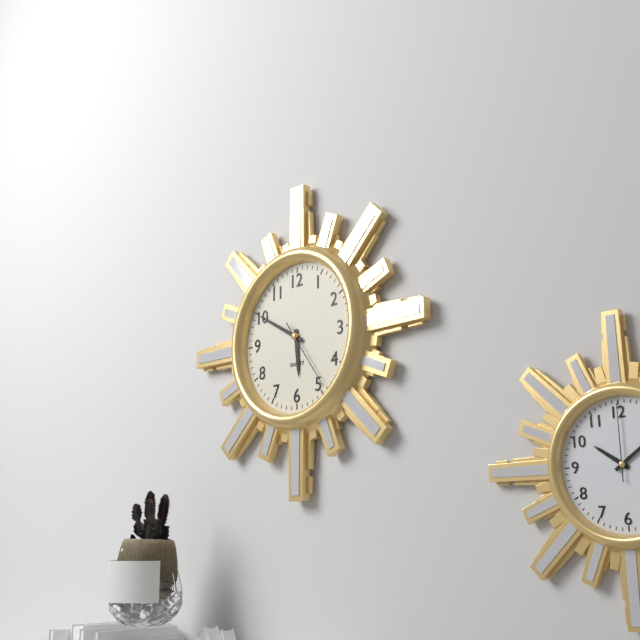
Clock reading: 5.50.24
